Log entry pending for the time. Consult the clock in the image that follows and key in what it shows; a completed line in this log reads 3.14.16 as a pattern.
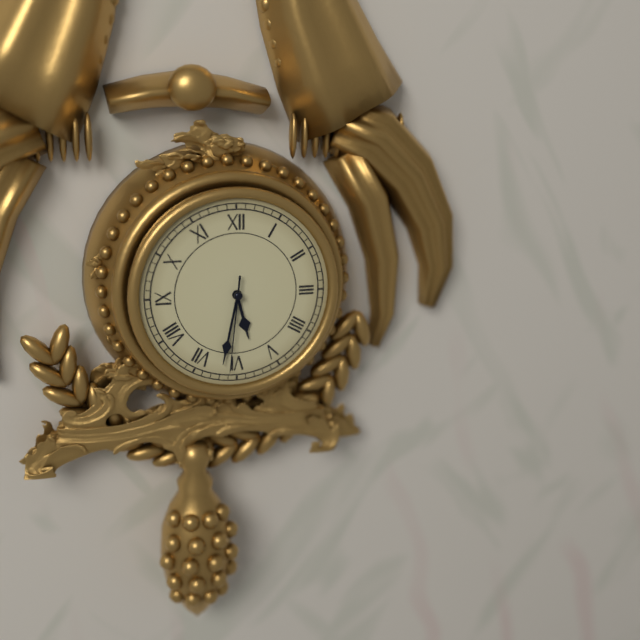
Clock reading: 5.32.31
